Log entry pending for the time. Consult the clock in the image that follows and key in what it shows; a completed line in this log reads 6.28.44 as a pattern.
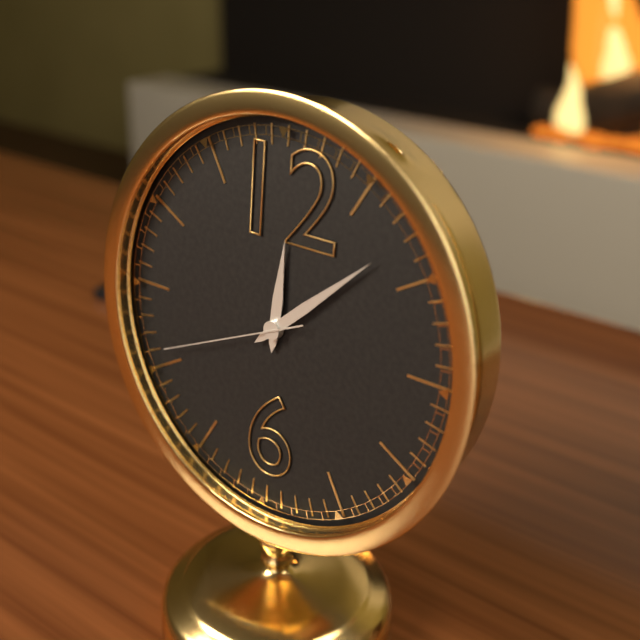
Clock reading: 12.08.41
